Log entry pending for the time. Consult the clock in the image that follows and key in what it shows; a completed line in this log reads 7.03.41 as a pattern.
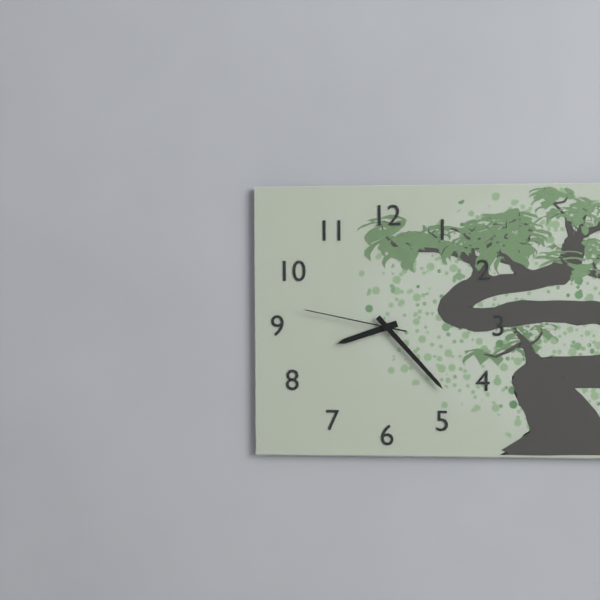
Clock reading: 8.23.47
